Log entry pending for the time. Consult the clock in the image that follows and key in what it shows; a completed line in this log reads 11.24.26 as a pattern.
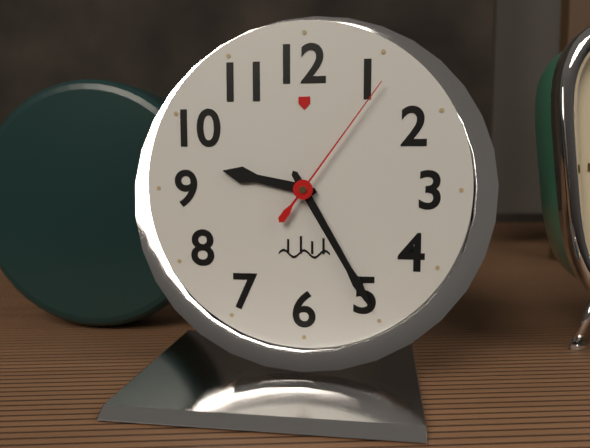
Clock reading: 9.25.06
